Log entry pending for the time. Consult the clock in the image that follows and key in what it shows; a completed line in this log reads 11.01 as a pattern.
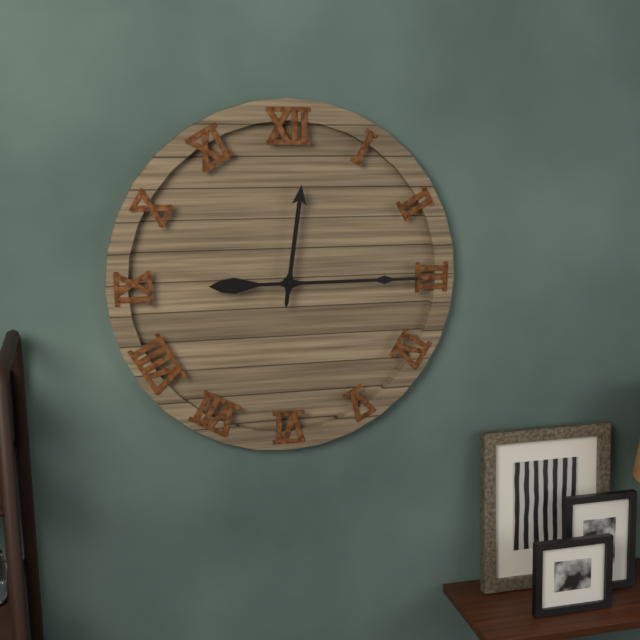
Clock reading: 12.15
